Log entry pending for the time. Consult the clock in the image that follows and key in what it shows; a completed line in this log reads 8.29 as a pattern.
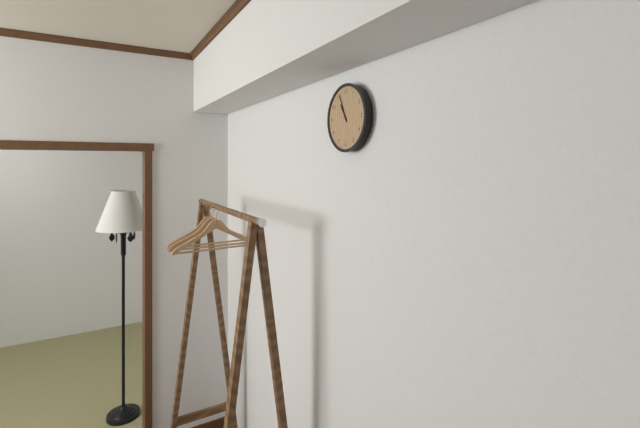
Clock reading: 10.56
